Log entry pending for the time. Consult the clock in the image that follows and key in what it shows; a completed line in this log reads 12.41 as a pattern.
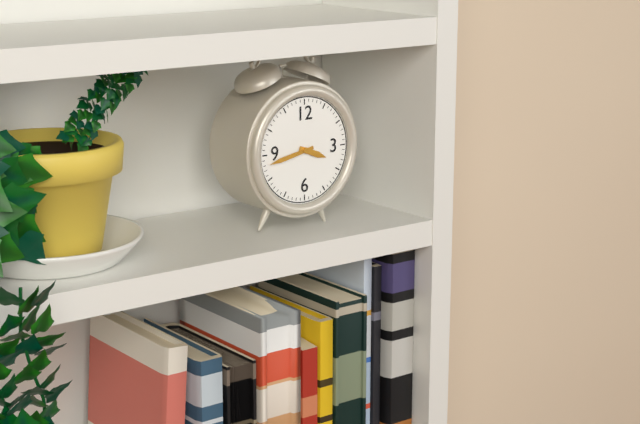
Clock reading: 3.43
